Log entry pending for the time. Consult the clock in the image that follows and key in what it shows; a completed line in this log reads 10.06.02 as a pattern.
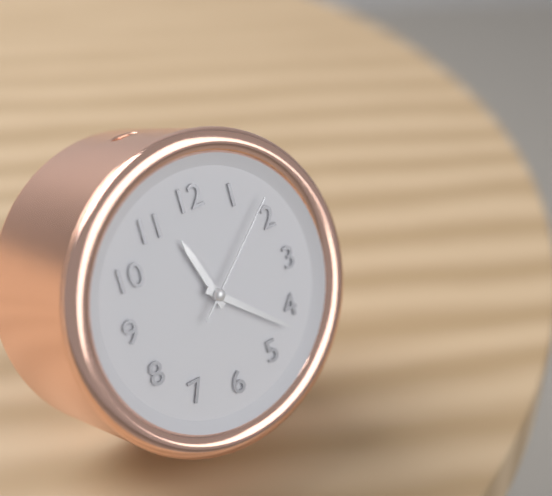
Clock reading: 11.22.08
